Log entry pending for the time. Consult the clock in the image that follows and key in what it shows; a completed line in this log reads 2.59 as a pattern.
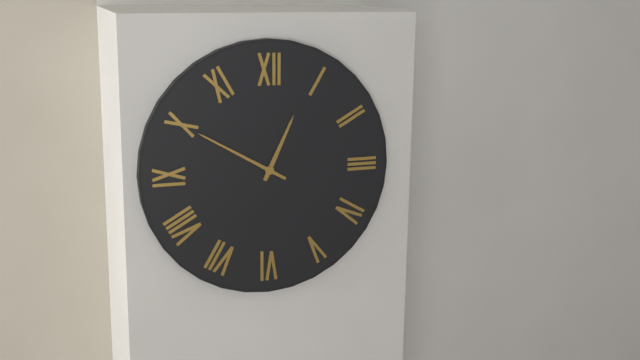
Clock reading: 12.50
